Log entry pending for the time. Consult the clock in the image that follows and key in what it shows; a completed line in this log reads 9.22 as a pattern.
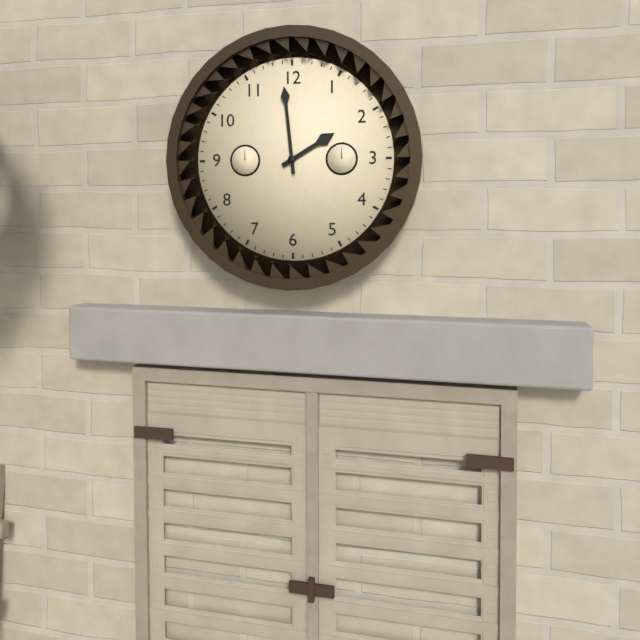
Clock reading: 1.59
